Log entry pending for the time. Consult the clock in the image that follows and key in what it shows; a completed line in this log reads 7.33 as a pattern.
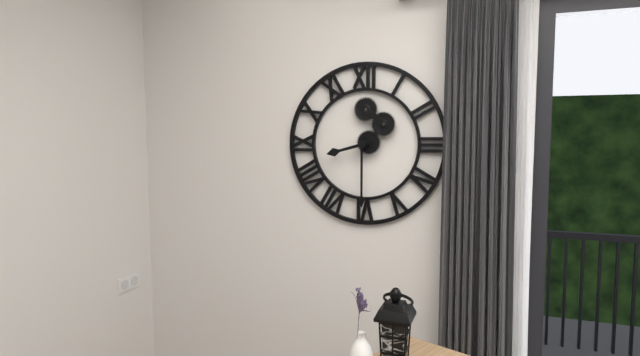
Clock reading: 8.30
